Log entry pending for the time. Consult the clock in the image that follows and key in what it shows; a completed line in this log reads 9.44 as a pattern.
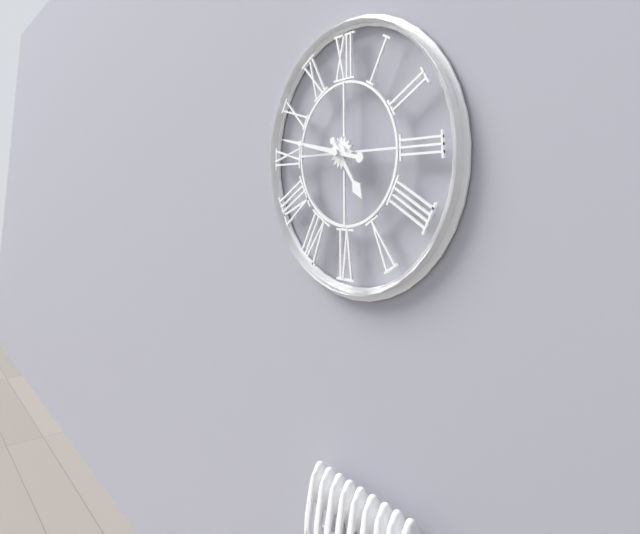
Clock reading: 4.47
